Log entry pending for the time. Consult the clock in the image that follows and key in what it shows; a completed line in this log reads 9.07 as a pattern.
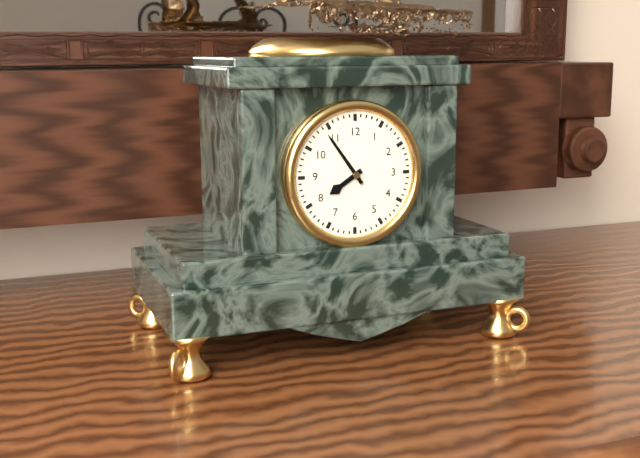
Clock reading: 7.54
